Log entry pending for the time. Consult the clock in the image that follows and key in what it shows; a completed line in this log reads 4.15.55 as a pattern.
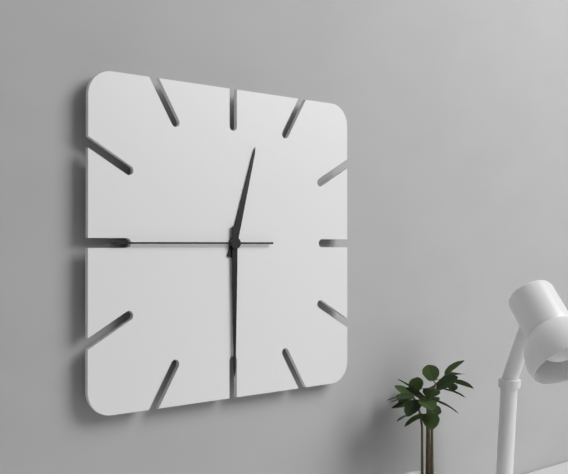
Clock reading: 12.30.45
